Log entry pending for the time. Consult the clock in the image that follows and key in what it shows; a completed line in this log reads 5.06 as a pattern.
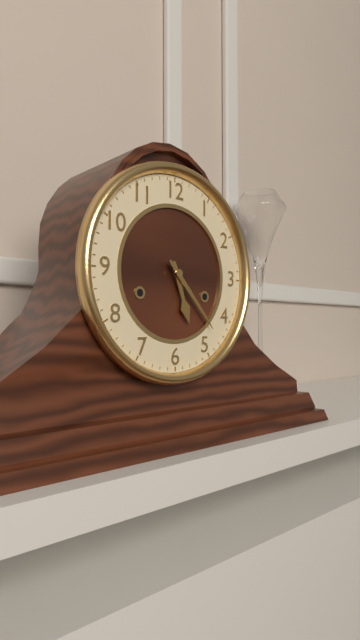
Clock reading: 5.23
